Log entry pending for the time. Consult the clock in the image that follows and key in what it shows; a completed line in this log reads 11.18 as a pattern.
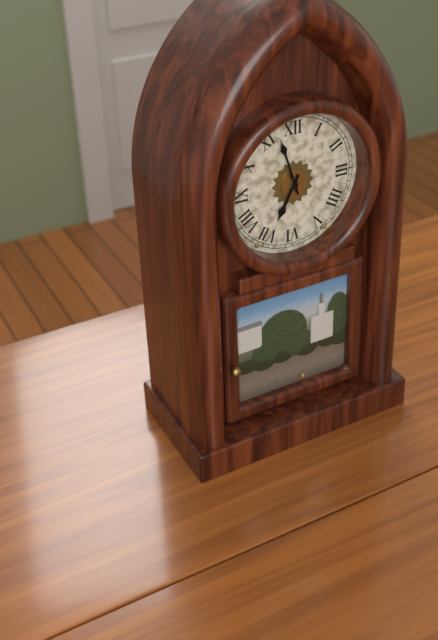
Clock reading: 6.57
